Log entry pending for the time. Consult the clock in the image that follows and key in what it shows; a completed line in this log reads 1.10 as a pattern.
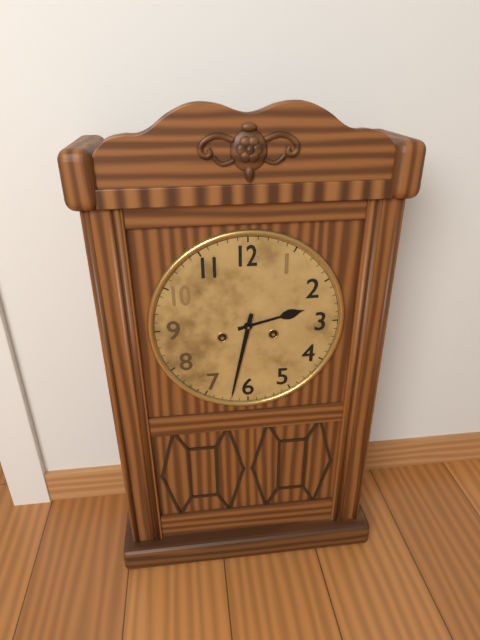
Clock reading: 2.32
